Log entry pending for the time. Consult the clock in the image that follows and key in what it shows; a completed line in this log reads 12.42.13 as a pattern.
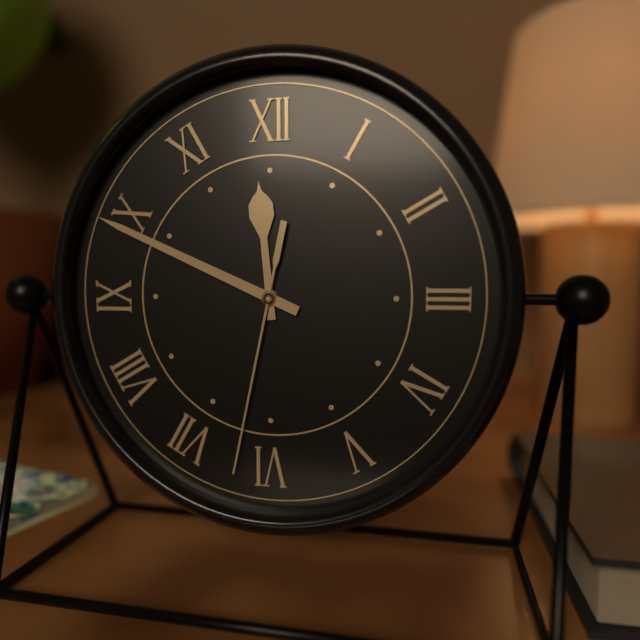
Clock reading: 11.49.32
